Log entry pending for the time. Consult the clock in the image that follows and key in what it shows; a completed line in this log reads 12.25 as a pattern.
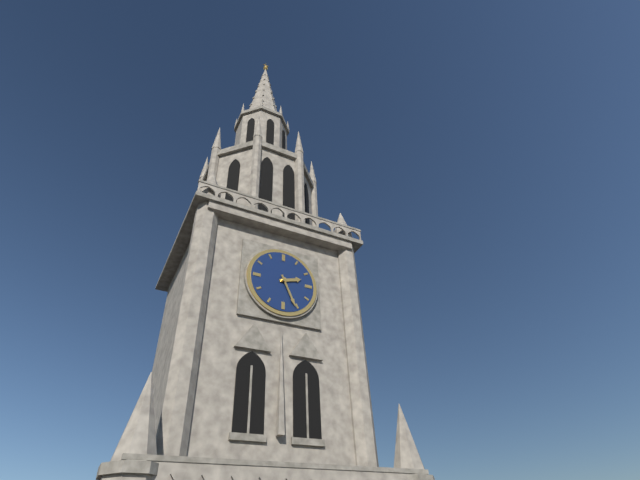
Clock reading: 2.26
